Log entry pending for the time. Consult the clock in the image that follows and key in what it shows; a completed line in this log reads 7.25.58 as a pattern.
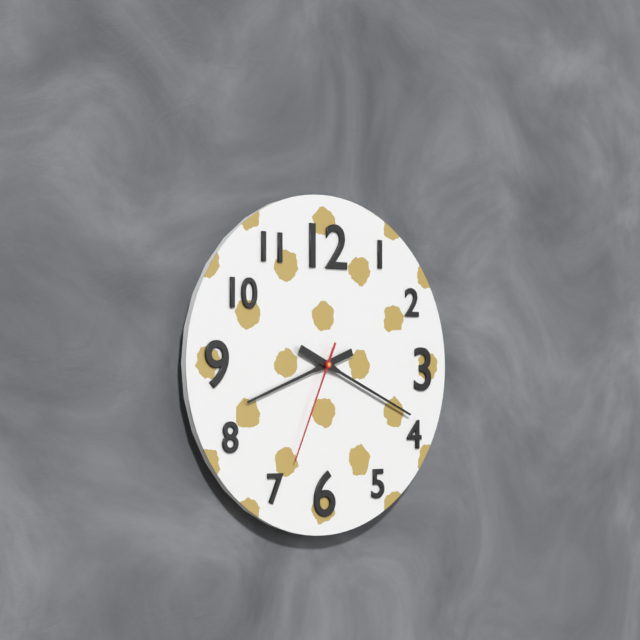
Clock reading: 8.19.34
